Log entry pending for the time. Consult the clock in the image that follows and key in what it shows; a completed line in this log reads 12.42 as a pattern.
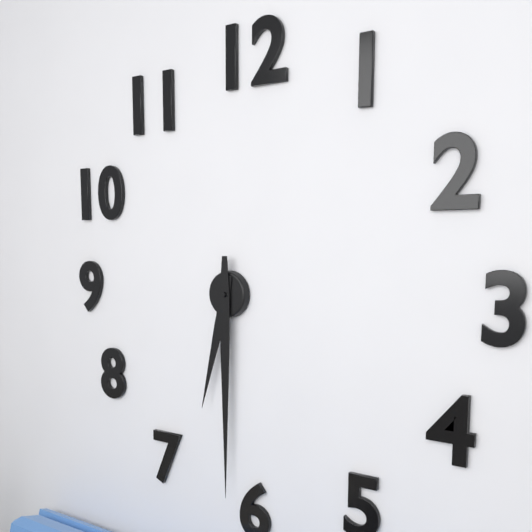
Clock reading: 6.30
